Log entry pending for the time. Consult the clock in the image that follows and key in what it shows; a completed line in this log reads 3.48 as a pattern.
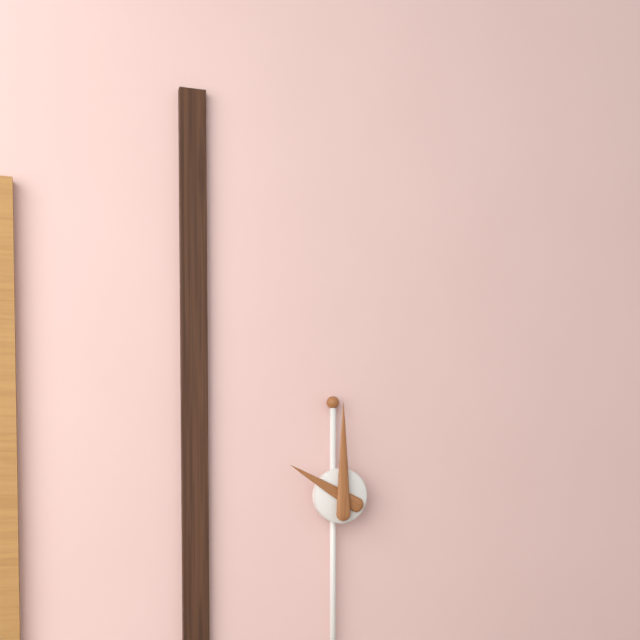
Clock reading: 10.00
